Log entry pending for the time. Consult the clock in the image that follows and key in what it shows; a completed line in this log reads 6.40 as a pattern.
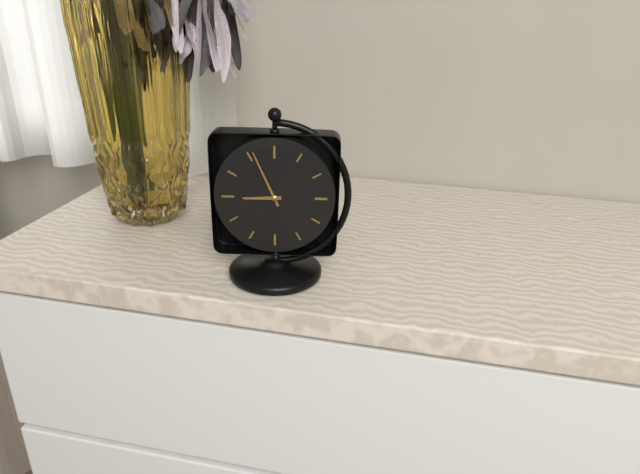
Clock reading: 8.56
